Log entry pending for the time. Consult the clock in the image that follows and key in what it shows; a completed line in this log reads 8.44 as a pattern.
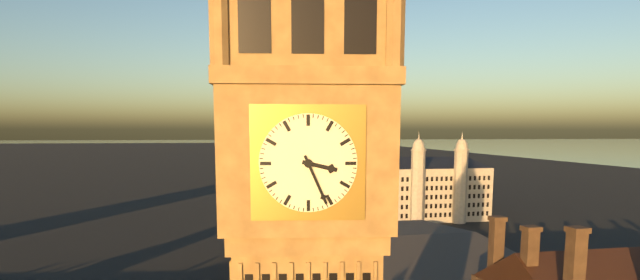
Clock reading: 3.26
